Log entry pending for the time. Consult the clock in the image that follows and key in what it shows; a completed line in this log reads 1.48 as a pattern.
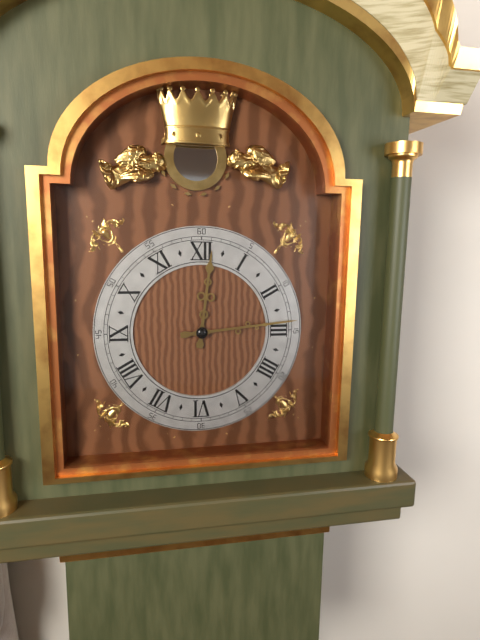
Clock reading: 12.14
